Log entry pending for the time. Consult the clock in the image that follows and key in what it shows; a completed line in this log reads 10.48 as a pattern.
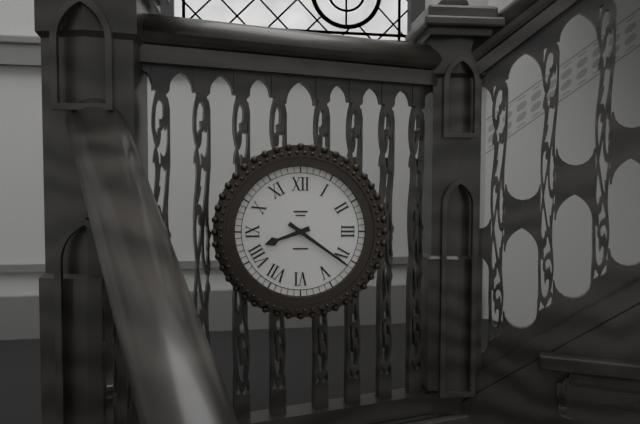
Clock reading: 8.21
